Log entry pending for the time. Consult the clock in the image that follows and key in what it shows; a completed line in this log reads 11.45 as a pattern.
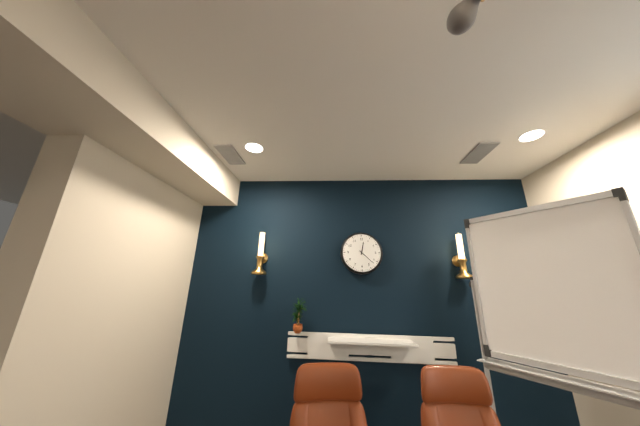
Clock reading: 12.22
